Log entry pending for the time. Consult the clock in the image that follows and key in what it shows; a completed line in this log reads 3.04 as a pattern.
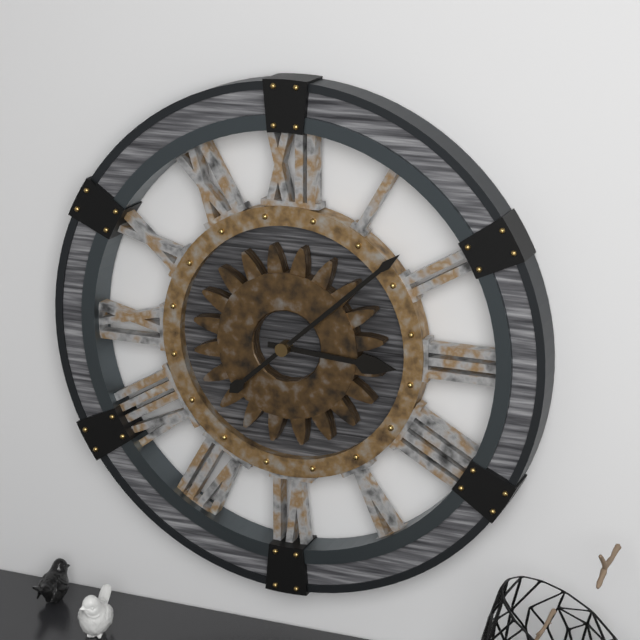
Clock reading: 3.08
